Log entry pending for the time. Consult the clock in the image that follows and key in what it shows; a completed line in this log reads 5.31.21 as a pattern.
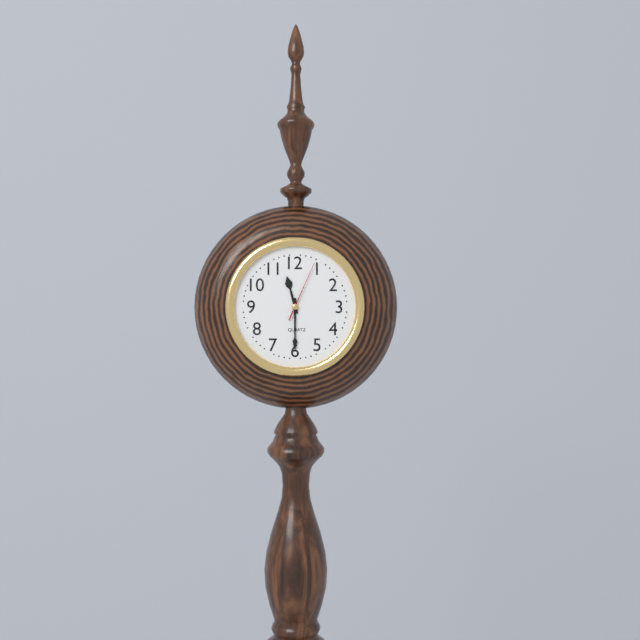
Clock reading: 11.30.04
